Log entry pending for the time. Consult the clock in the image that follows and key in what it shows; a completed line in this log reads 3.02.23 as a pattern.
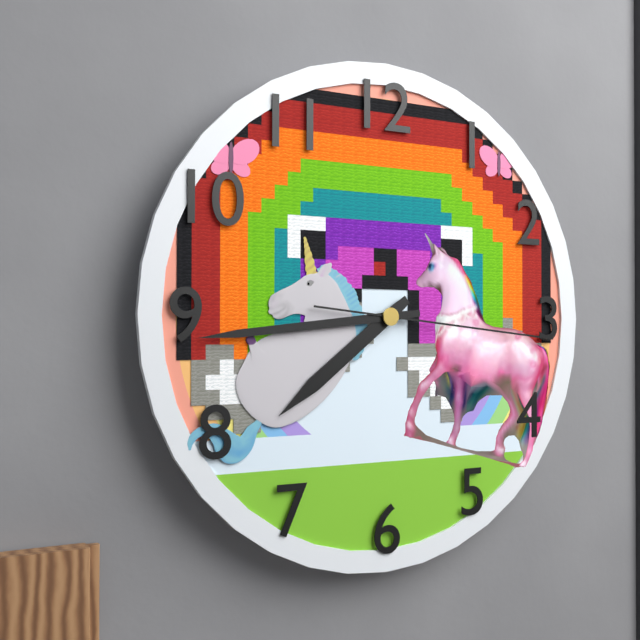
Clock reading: 7.44.16
